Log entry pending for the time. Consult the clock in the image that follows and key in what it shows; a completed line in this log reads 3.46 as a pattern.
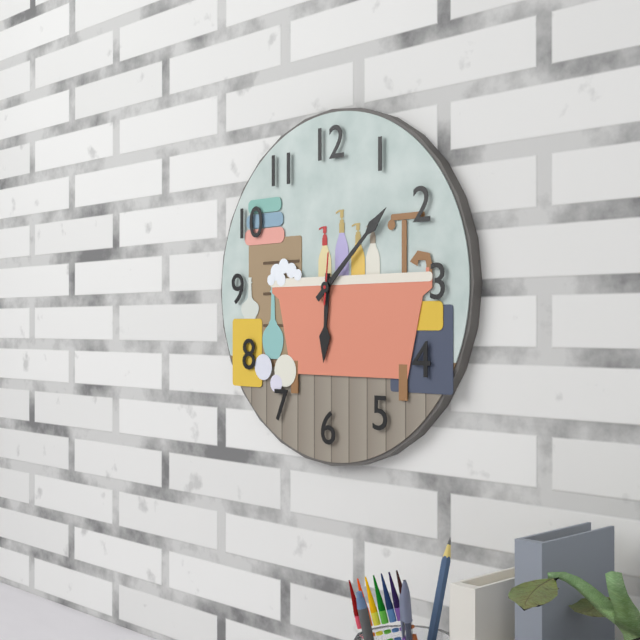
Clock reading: 6.08
